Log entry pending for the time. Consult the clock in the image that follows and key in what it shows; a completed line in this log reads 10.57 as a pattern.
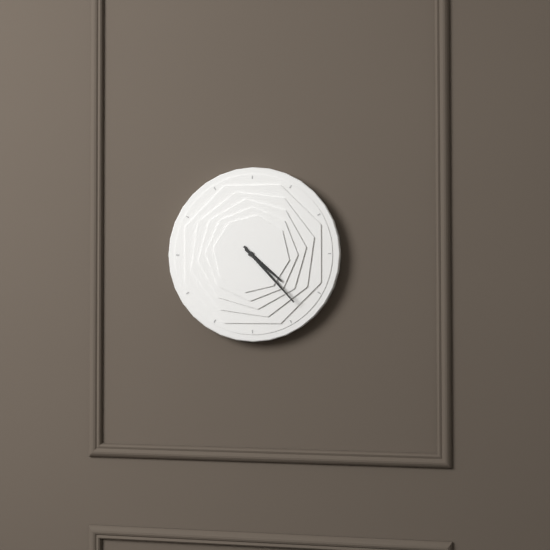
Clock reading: 4.23
